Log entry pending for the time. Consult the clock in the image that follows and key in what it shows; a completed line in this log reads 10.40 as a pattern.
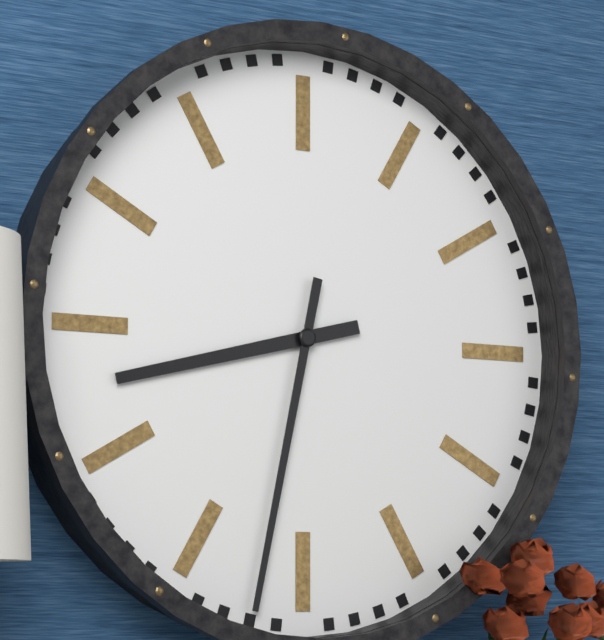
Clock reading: 8.32
